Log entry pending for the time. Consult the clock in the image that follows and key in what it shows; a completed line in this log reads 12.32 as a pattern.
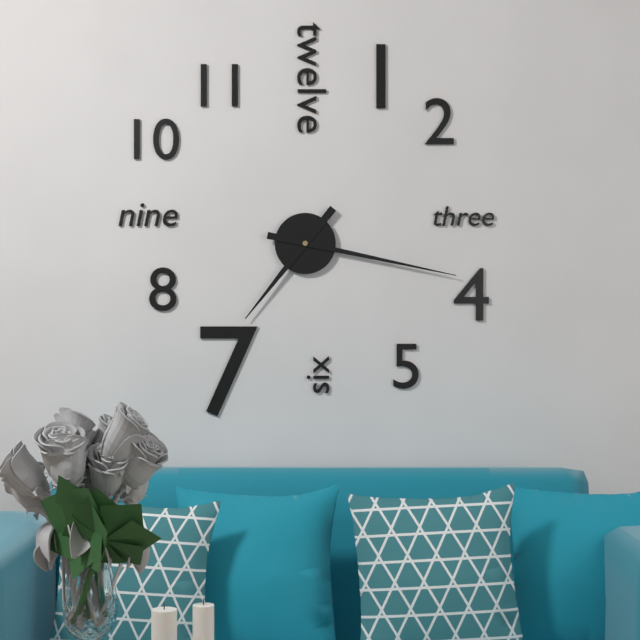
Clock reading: 7.17
